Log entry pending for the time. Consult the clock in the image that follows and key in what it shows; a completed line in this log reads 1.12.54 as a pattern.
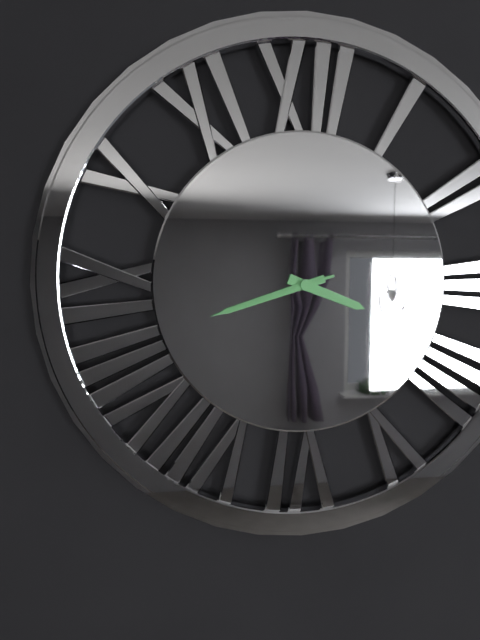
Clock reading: 3.42.42
